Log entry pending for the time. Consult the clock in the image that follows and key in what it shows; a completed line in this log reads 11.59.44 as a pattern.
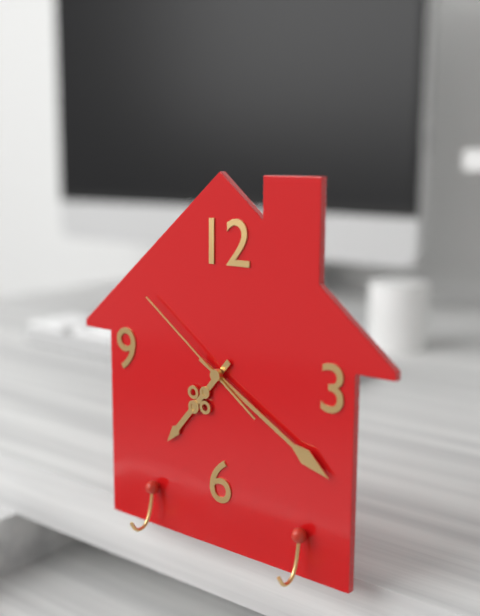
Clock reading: 7.20.51
